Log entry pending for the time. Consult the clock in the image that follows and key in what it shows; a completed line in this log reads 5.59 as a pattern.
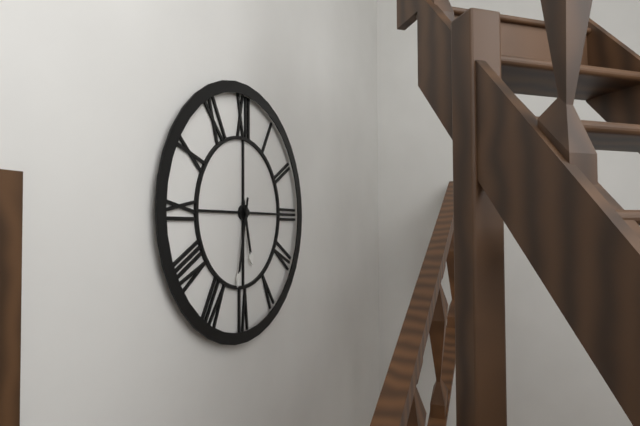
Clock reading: 5.32
